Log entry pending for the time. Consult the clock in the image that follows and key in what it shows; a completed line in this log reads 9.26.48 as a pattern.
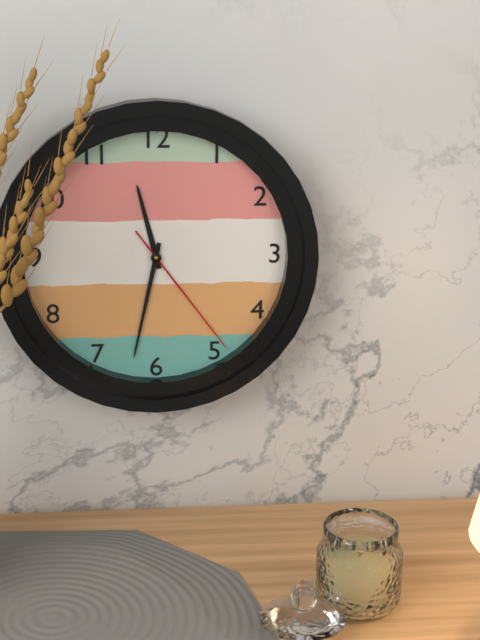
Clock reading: 11.32.24
